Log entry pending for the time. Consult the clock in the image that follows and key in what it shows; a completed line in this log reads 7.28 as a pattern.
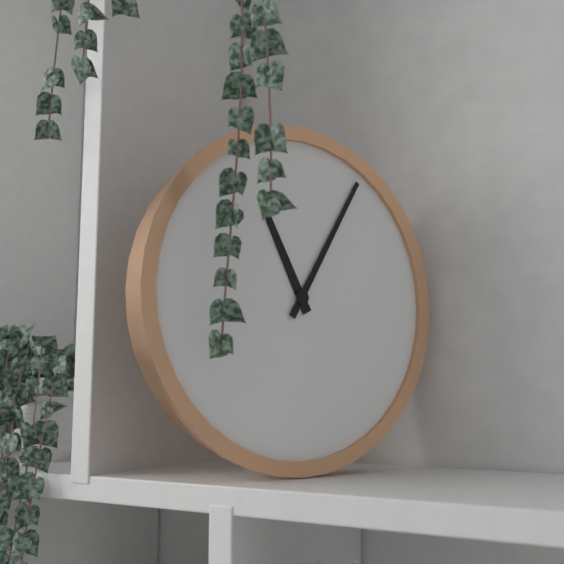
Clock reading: 11.05
